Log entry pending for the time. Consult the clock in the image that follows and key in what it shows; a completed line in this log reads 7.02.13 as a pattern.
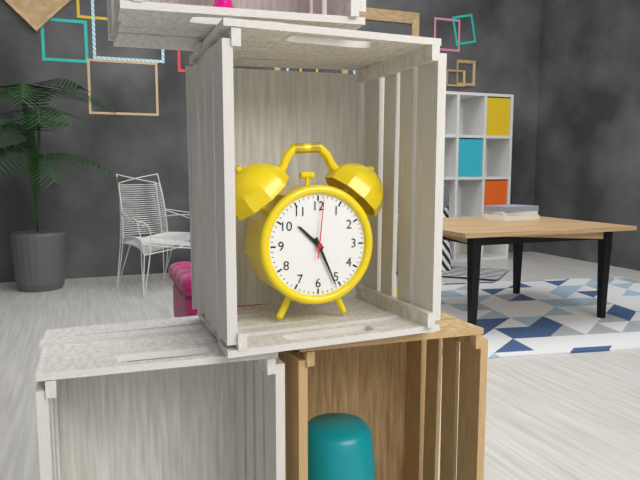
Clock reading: 10.26.01
